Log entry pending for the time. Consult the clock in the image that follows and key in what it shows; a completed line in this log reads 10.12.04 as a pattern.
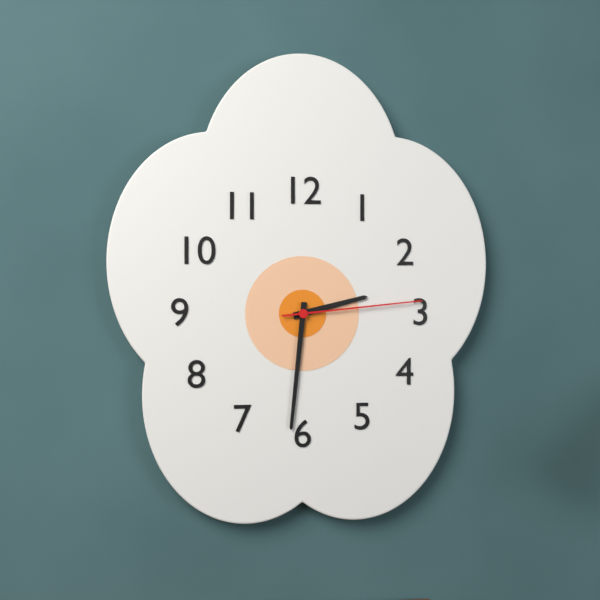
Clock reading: 2.31.14
